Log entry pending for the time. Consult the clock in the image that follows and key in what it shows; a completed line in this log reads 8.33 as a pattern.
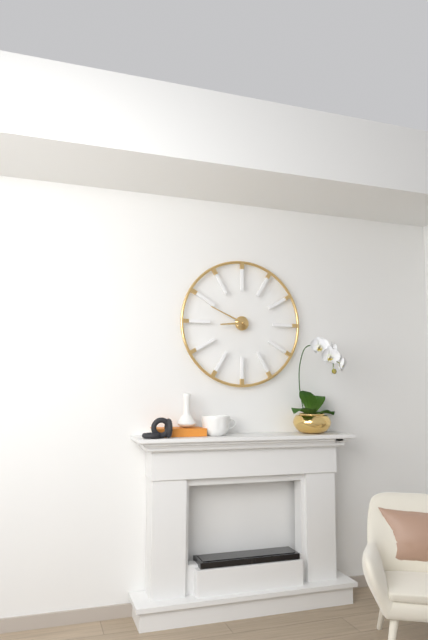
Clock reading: 8.49
